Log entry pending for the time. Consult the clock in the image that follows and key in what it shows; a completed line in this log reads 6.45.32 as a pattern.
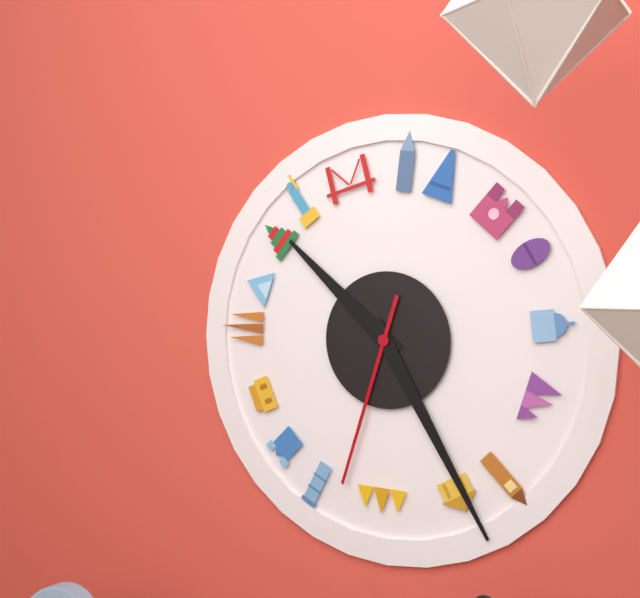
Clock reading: 10.25.33
